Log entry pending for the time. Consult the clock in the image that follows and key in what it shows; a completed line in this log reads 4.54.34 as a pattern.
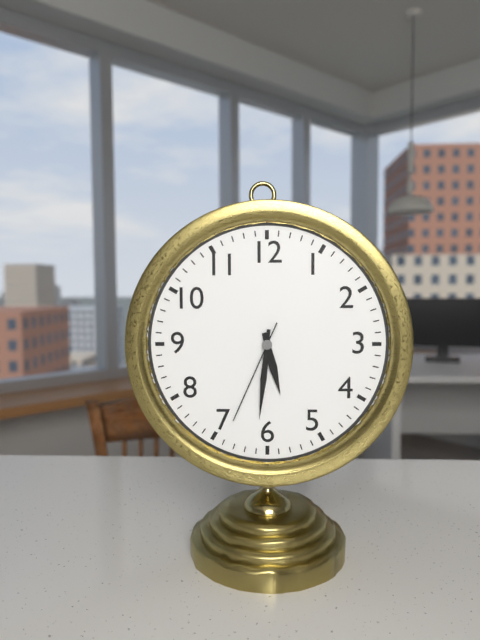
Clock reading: 5.31.34
